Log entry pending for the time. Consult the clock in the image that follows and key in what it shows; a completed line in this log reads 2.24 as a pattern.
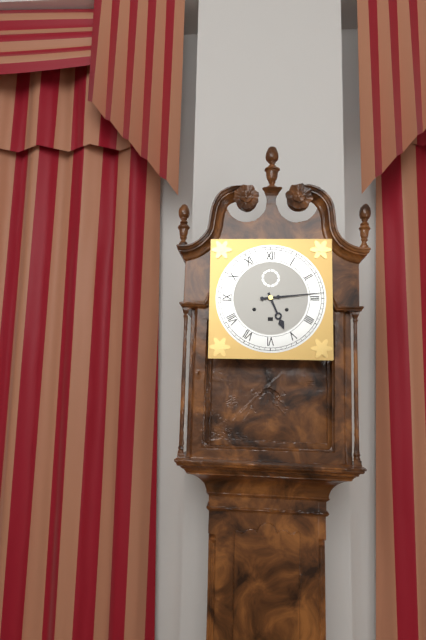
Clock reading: 5.14
